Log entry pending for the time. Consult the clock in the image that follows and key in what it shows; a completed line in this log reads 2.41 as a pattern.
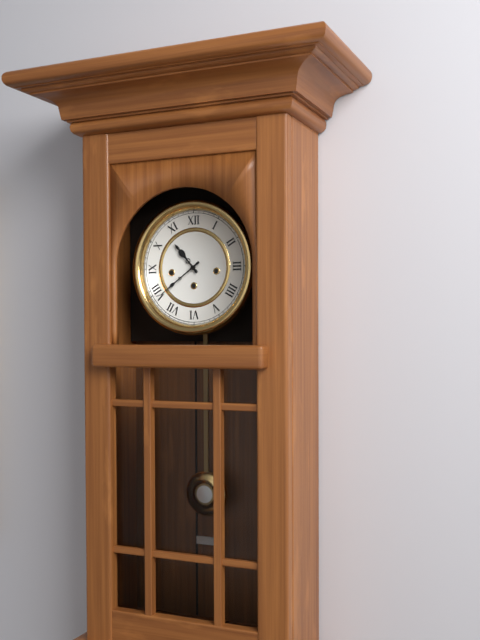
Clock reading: 10.39
